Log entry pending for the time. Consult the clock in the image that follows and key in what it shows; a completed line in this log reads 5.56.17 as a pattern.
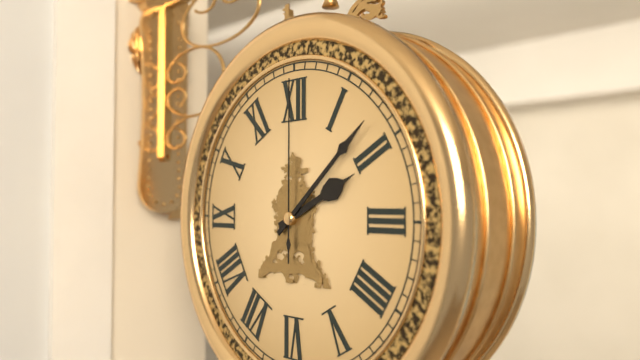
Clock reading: 2.08.00
